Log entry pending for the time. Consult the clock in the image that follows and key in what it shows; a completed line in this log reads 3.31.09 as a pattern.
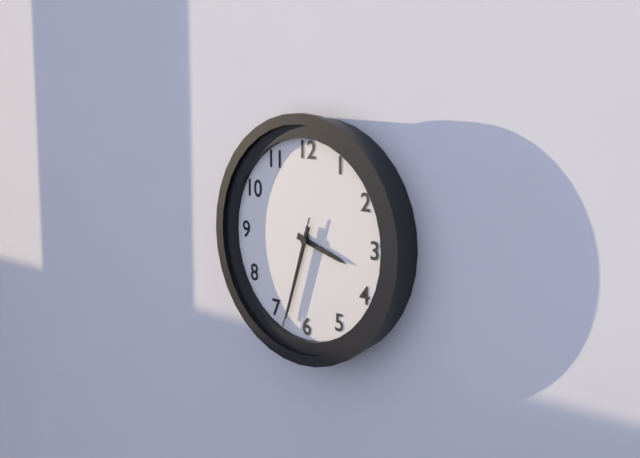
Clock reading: 3.33.33
